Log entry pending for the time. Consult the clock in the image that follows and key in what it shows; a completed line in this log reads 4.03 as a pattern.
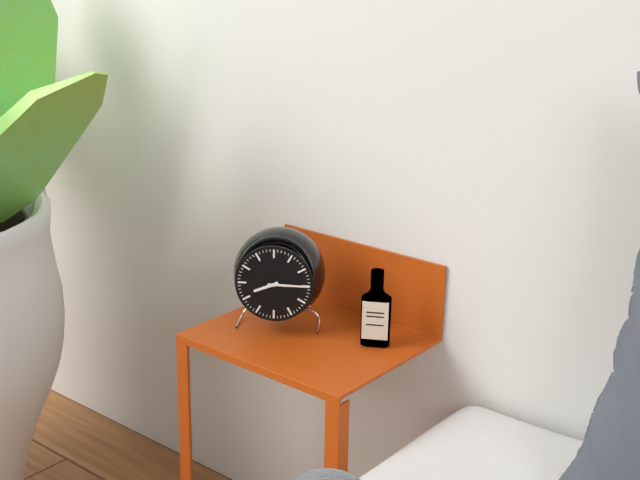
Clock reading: 8.15
